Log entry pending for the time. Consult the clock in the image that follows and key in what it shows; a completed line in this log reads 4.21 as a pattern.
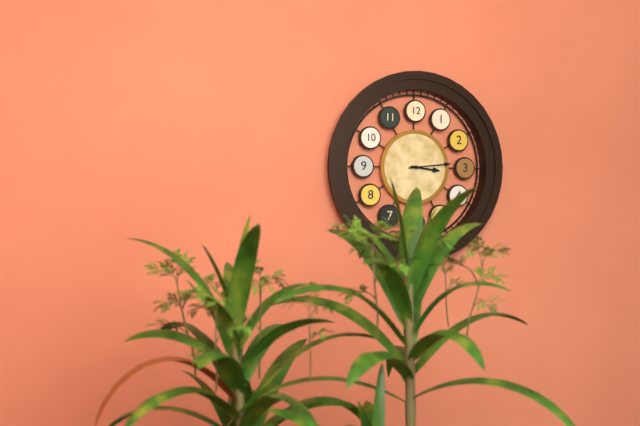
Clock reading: 3.14
